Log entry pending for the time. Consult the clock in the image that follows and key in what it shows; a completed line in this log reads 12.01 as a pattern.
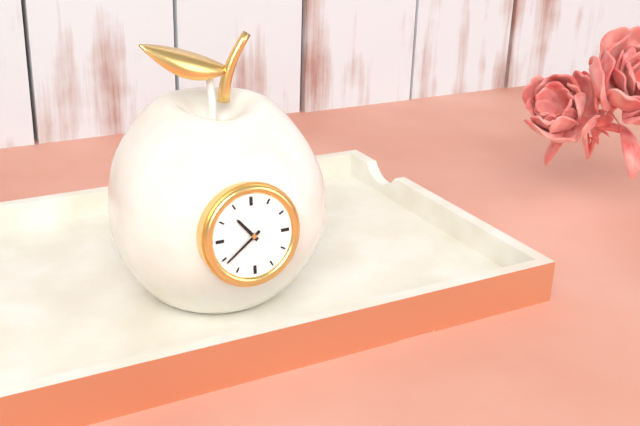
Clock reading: 10.39
